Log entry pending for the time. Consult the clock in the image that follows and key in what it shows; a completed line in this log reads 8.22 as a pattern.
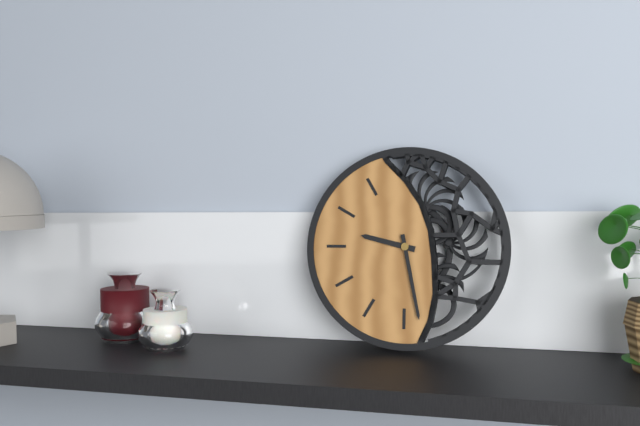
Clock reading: 9.28
